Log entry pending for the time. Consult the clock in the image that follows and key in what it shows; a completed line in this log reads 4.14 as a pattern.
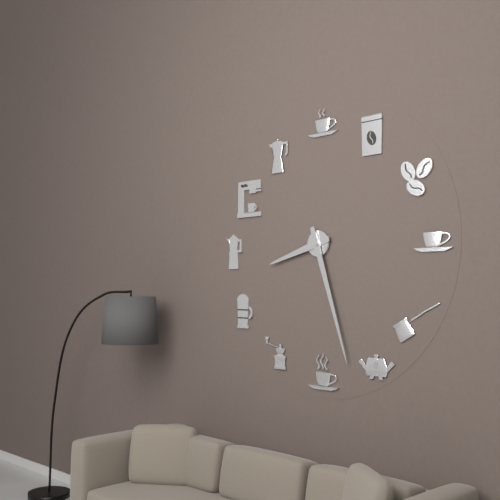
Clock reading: 8.27
